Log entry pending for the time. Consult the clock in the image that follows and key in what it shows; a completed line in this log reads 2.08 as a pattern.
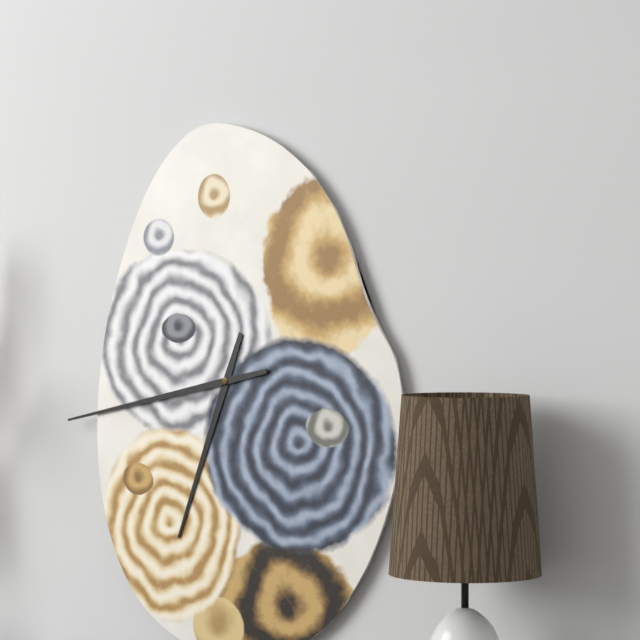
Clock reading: 6.43
